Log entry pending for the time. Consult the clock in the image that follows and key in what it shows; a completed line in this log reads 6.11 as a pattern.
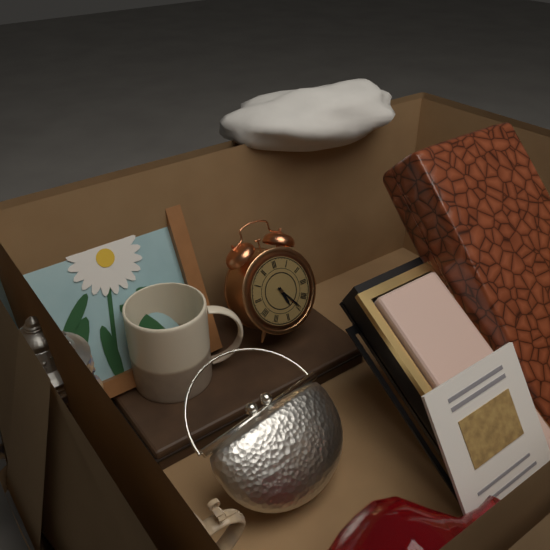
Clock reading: 5.24
